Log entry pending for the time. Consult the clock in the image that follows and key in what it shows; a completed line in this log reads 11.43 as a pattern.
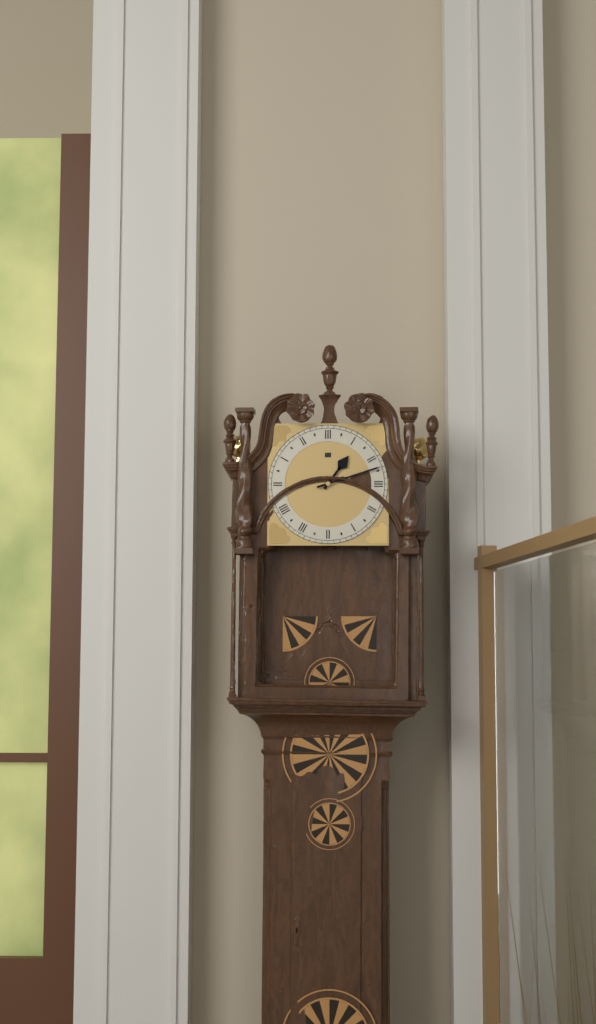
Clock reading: 1.12
